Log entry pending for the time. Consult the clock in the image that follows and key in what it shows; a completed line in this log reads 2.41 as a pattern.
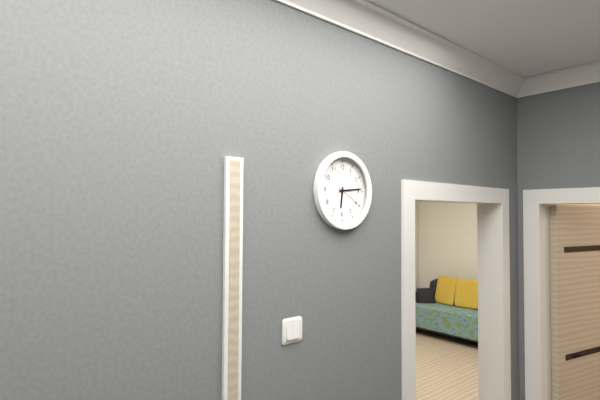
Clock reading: 6.14
